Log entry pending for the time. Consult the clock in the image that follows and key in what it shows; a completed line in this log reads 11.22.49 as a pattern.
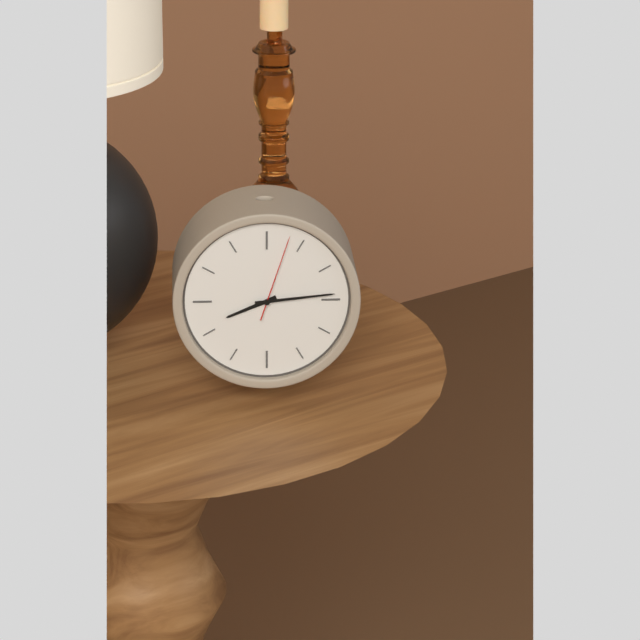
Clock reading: 8.14.03
